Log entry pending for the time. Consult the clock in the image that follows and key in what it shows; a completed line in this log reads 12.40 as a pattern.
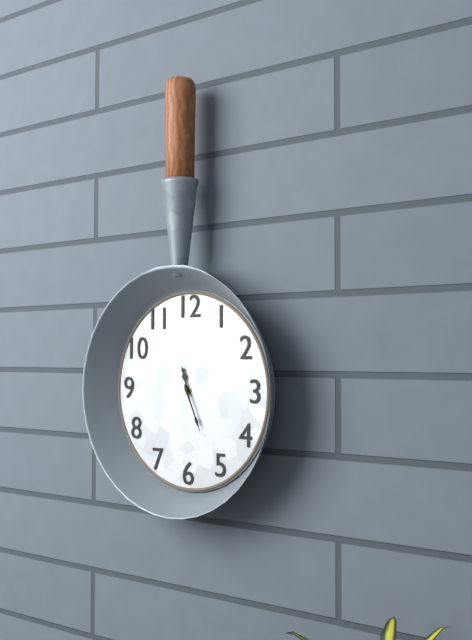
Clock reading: 11.26
